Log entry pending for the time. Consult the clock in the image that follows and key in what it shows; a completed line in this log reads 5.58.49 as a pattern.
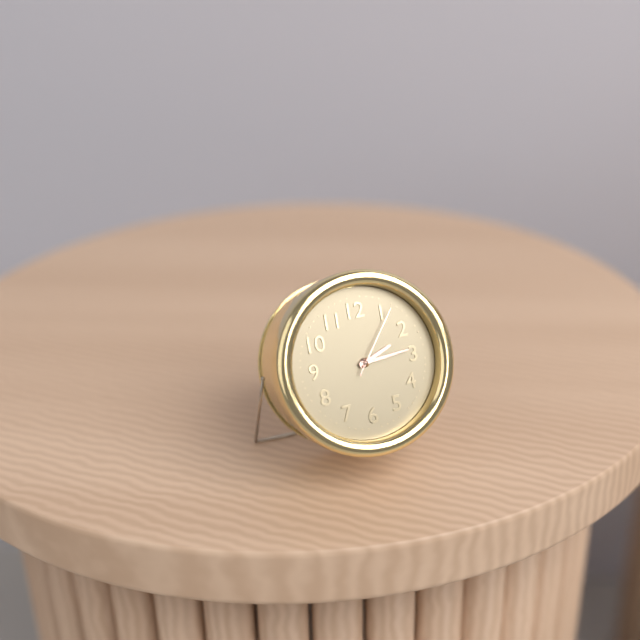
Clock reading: 2.14.06
